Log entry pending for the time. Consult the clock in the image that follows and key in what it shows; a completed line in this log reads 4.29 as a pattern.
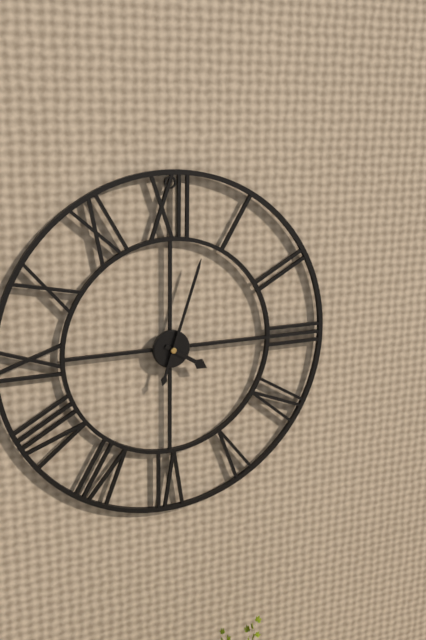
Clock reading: 4.03
